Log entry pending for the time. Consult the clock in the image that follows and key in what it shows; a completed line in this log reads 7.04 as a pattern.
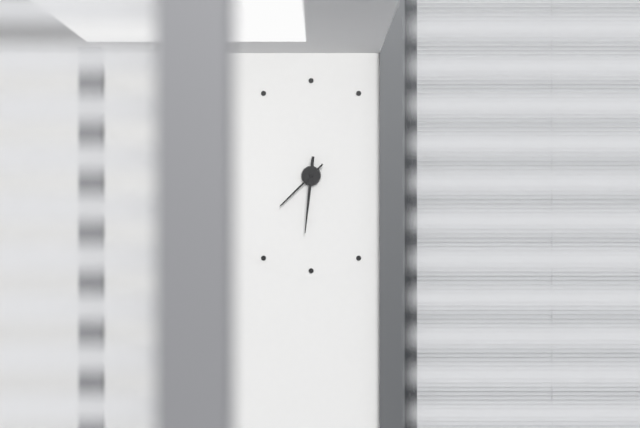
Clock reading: 7.31
